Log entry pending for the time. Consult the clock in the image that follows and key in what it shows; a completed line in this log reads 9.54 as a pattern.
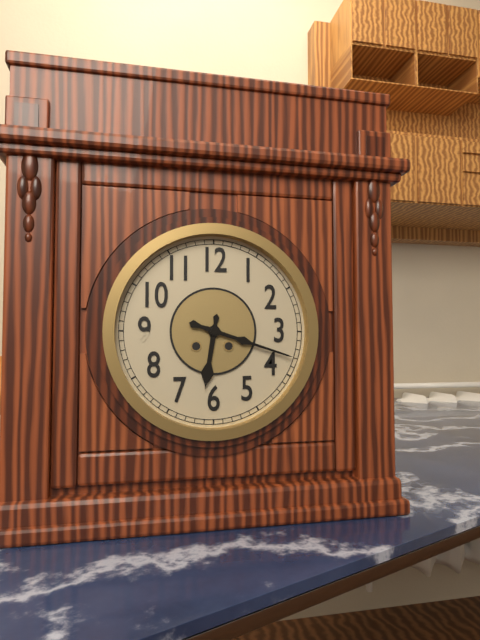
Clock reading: 6.18
